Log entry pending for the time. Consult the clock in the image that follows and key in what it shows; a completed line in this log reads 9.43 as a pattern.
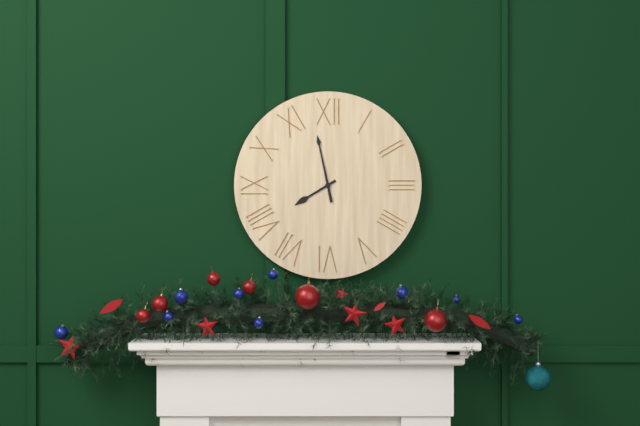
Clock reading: 7.58
